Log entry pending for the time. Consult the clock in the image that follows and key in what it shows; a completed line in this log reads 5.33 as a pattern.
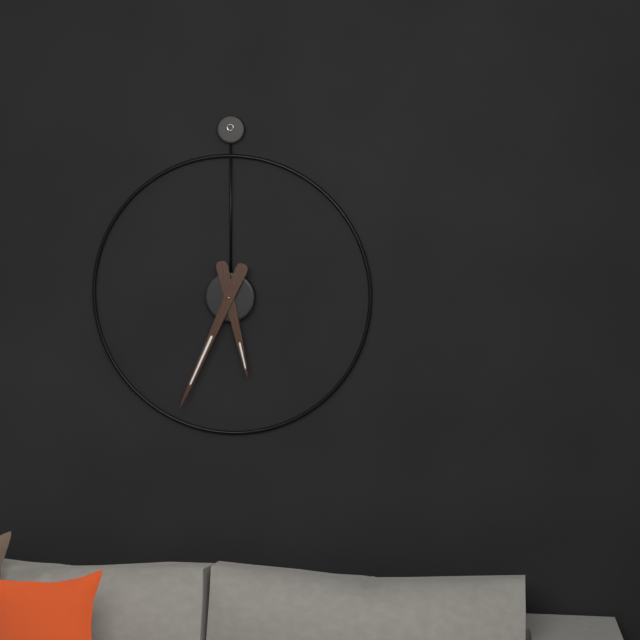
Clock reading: 5.34
